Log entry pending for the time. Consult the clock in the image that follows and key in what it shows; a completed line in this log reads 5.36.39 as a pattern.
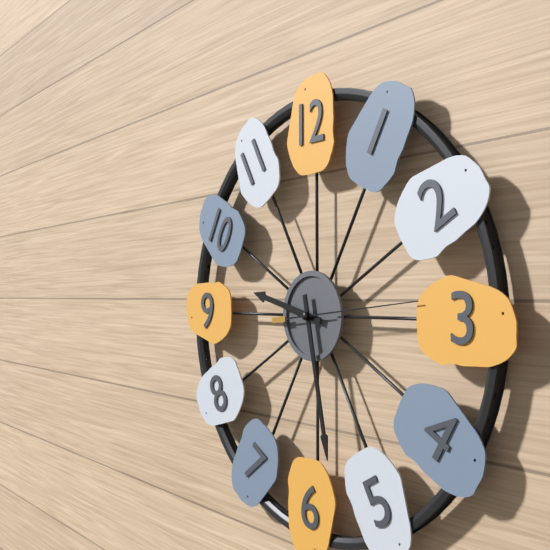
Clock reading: 9.28.14
